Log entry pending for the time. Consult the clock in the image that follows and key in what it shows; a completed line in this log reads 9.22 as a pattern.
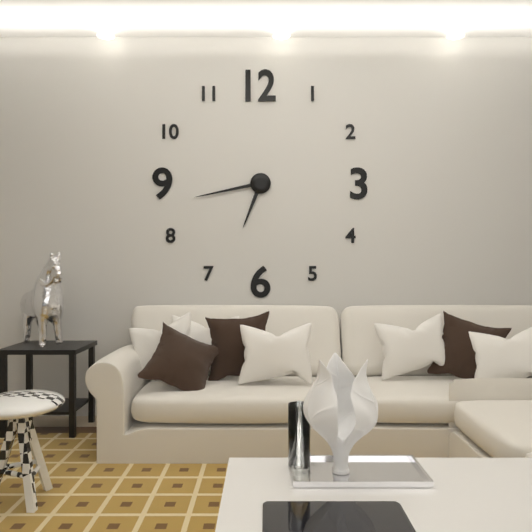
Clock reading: 6.43
